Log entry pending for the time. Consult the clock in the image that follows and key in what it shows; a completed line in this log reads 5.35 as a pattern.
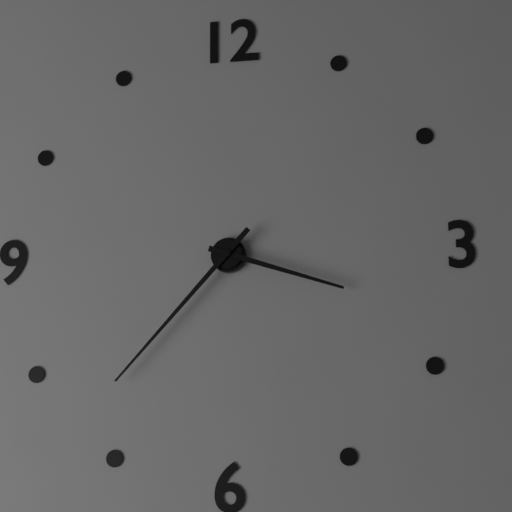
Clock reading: 3.37
